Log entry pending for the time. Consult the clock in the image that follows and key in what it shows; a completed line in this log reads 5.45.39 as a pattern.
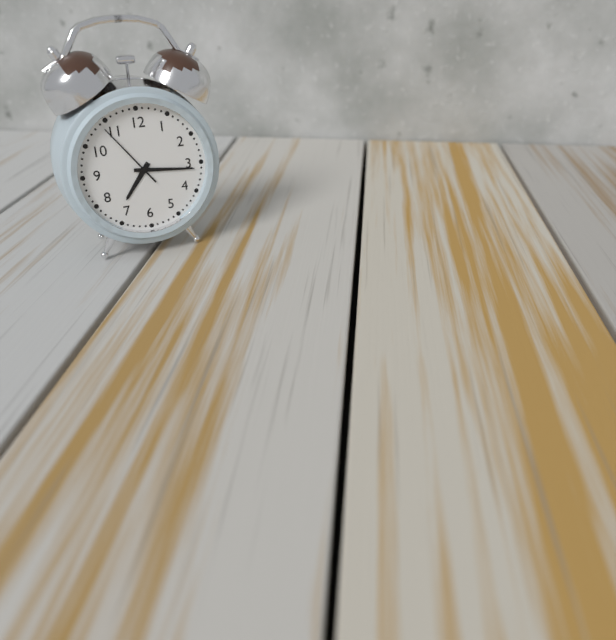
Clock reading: 7.16.54
